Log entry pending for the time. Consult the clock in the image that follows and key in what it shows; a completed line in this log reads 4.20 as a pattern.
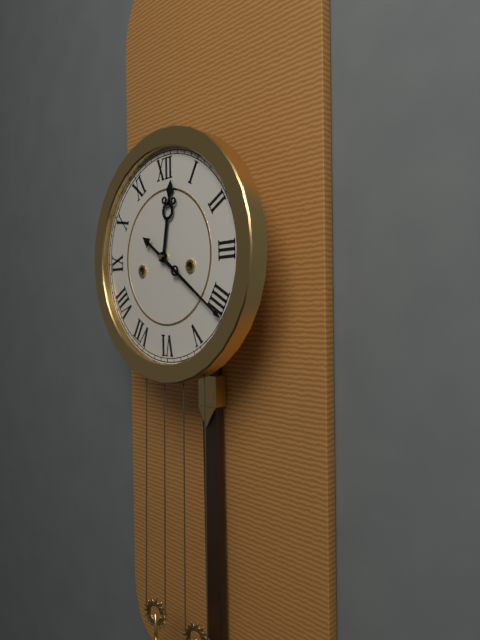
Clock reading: 12.21
